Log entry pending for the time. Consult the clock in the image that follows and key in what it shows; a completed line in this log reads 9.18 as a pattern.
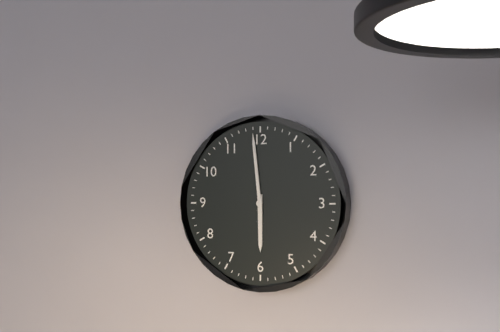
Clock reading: 5.59
